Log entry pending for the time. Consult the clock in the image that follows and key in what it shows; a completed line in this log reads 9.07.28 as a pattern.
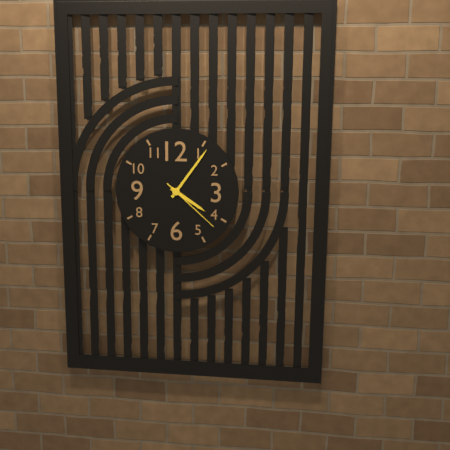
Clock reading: 4.06.22
